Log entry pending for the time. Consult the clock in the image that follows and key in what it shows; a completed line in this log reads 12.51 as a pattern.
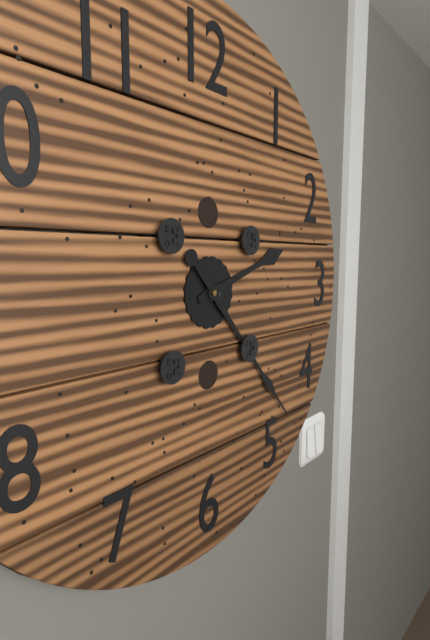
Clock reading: 2.23
